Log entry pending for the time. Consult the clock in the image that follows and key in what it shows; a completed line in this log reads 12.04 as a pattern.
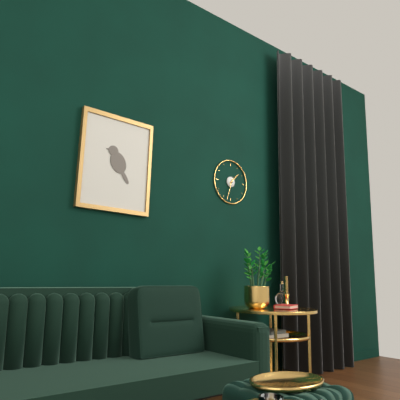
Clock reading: 1.33
